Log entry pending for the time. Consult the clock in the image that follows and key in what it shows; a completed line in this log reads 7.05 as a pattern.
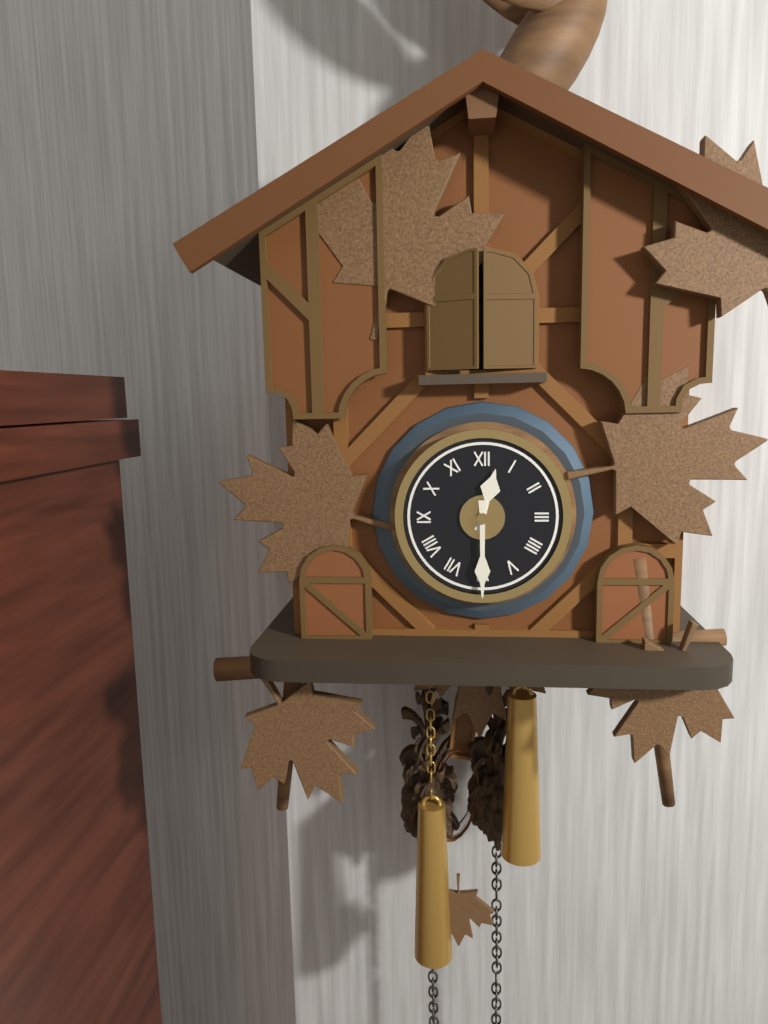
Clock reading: 12.30
